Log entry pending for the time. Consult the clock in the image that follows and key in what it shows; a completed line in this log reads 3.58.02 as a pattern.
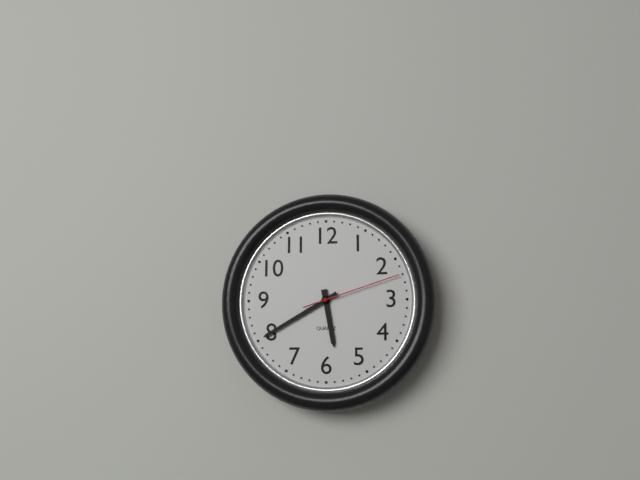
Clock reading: 5.40.12
